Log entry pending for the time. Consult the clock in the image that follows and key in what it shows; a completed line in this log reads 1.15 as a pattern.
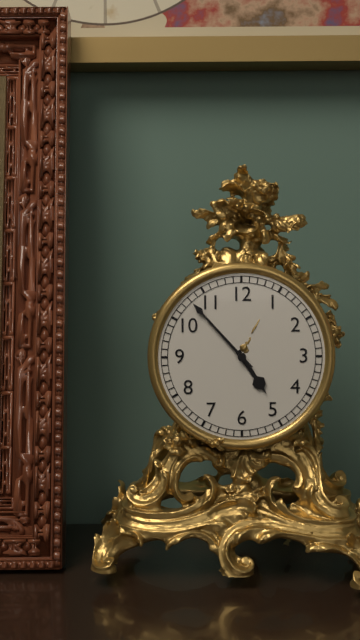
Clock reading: 4.53
